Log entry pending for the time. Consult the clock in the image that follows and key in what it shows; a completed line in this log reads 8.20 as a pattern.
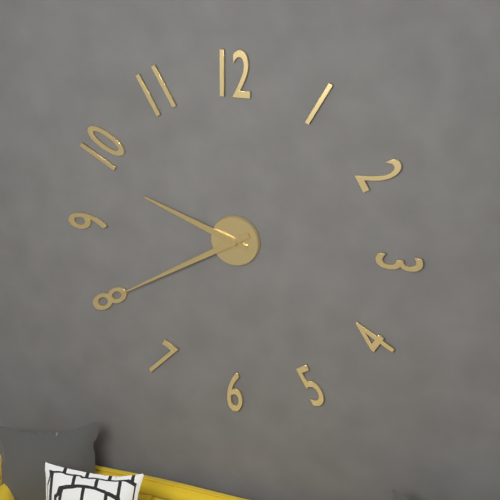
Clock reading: 9.40
